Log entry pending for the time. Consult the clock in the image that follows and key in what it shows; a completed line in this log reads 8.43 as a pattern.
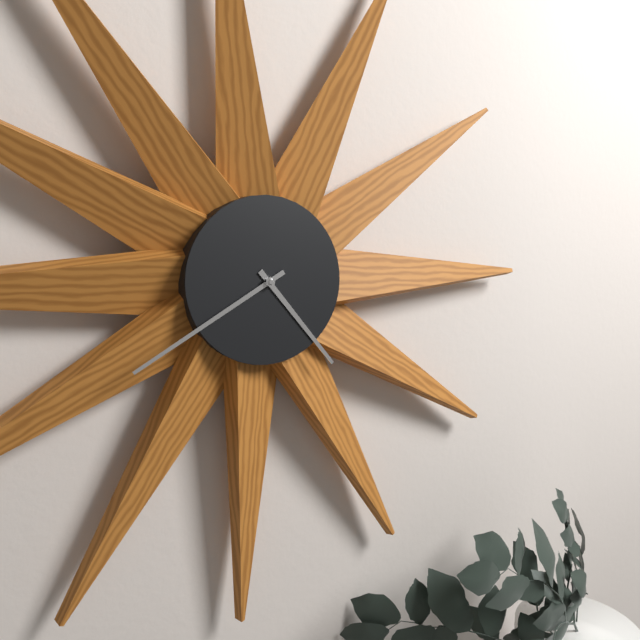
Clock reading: 4.40
